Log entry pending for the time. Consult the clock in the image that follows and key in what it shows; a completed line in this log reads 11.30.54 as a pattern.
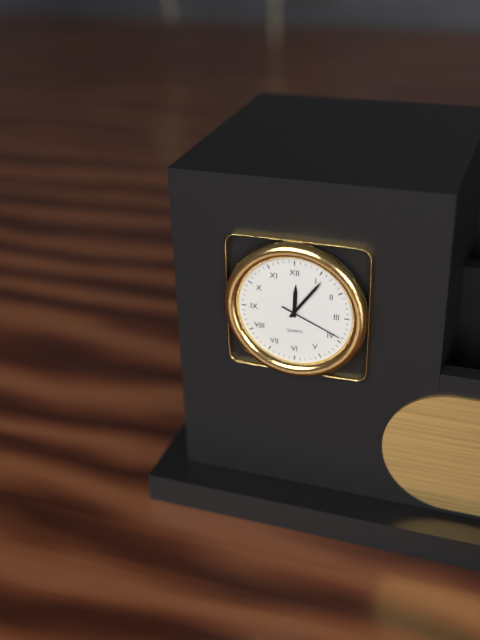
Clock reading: 12.06.19
